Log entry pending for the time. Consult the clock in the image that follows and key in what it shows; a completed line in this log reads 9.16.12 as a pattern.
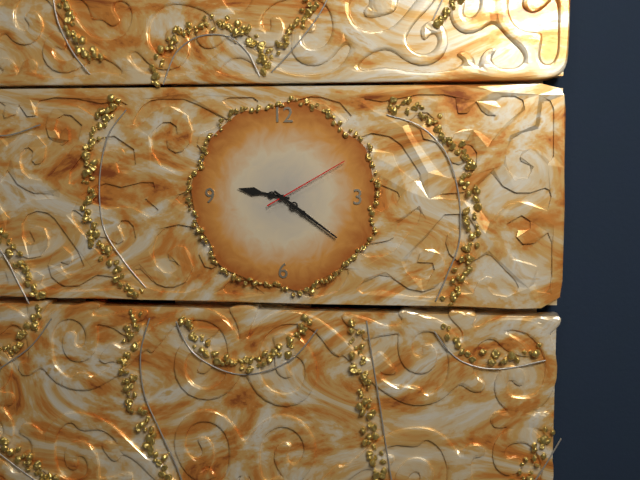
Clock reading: 9.21.10
